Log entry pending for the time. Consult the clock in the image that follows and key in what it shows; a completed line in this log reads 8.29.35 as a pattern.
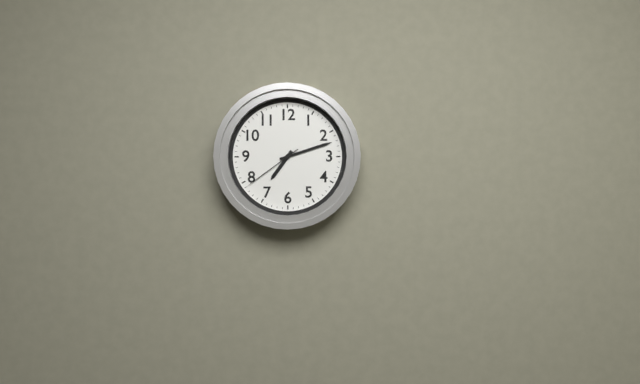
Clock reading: 7.12.39
